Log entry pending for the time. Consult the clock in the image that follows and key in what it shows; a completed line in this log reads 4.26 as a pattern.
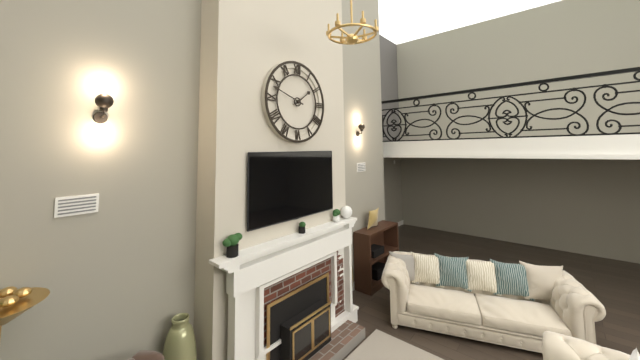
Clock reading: 1.48
